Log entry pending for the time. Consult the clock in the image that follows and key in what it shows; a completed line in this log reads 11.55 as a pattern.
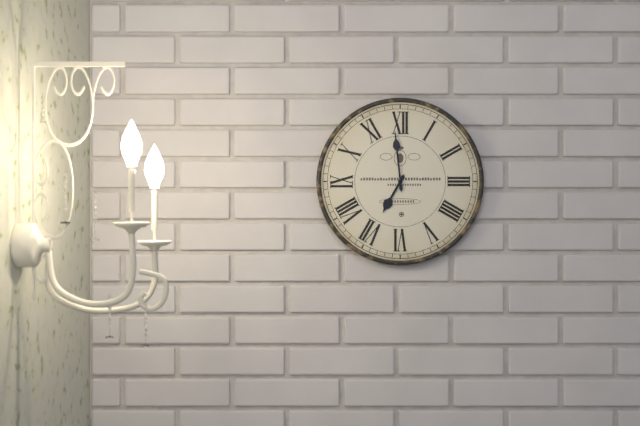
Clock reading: 6.59
